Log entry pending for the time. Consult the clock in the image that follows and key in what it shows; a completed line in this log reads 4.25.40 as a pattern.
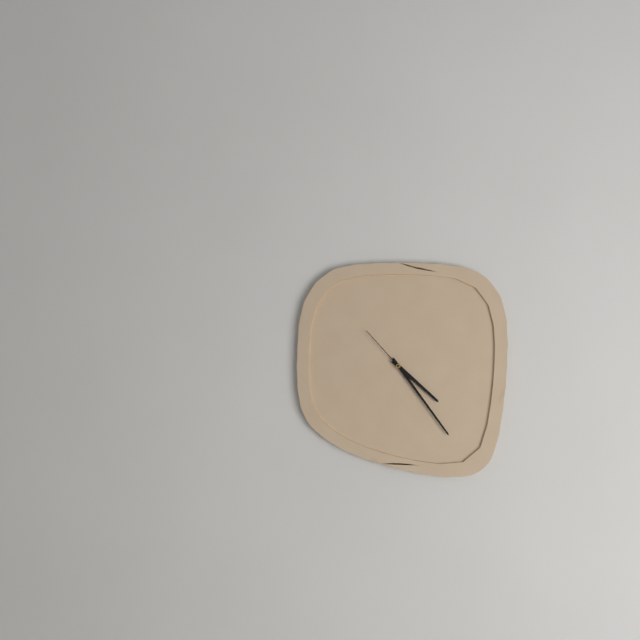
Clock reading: 4.24.53
